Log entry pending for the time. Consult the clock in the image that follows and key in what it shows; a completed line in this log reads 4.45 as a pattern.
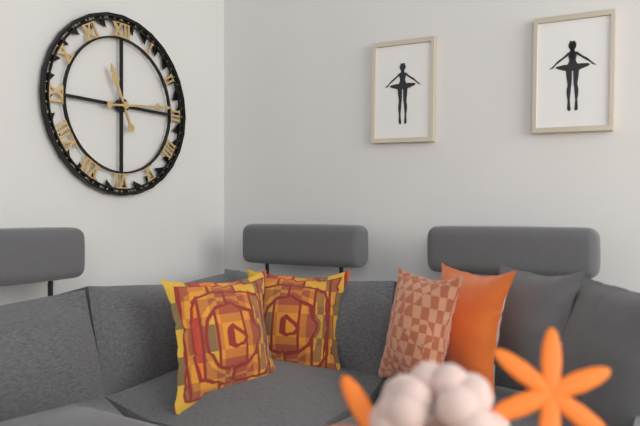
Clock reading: 11.14
